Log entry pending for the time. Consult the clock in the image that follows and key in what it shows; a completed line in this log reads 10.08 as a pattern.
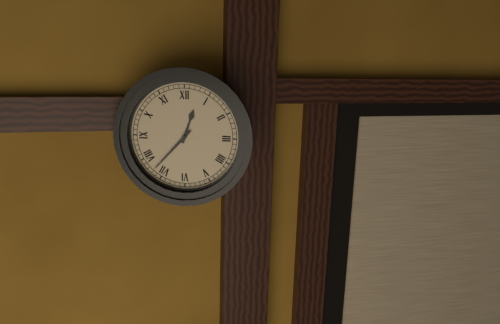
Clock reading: 12.37
